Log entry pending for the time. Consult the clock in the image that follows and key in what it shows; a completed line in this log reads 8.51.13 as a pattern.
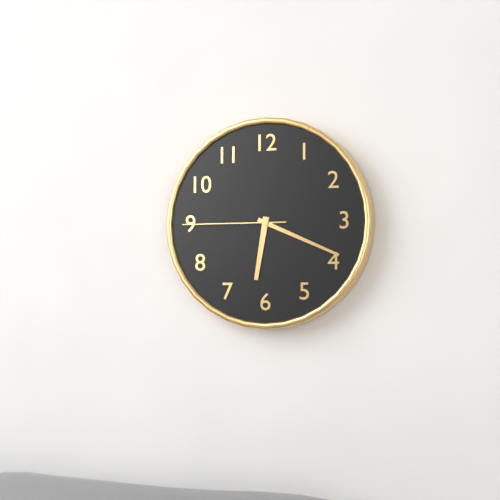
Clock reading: 6.19.45
